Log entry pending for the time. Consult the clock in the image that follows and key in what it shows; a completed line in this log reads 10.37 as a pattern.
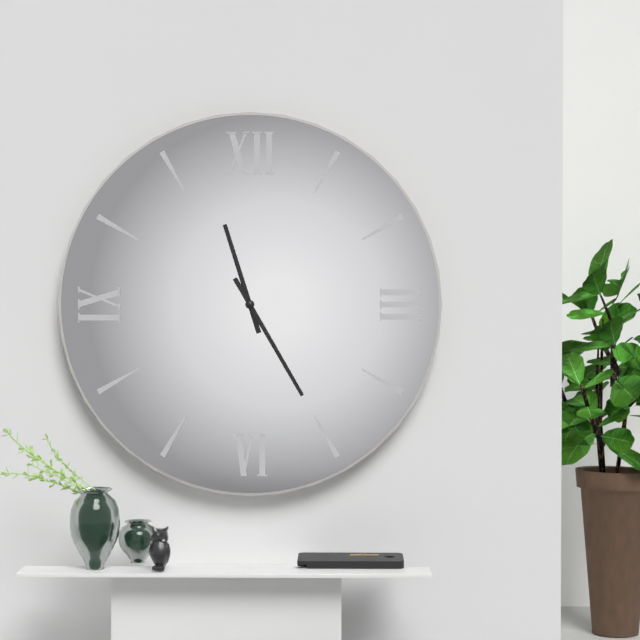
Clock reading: 11.25
